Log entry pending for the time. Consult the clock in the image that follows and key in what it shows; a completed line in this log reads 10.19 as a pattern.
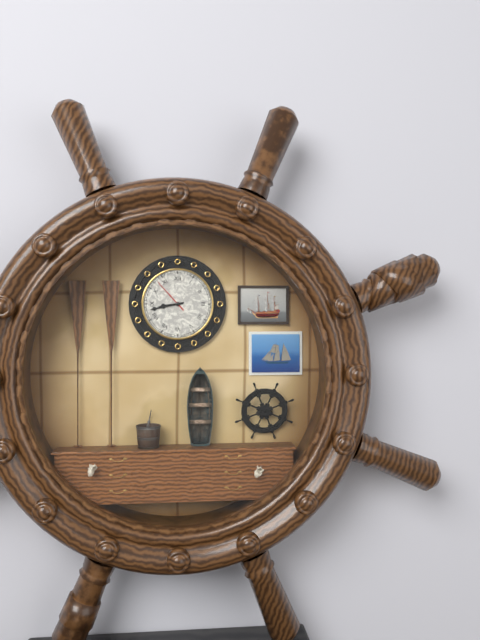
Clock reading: 8.43
